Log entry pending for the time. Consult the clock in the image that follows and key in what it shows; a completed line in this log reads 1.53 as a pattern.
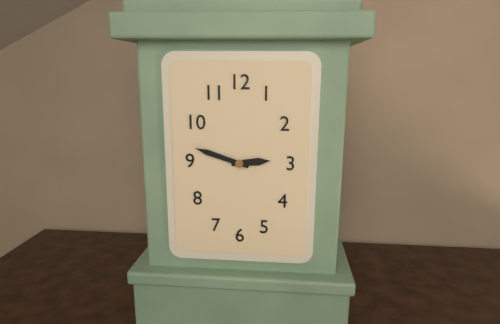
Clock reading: 2.48
